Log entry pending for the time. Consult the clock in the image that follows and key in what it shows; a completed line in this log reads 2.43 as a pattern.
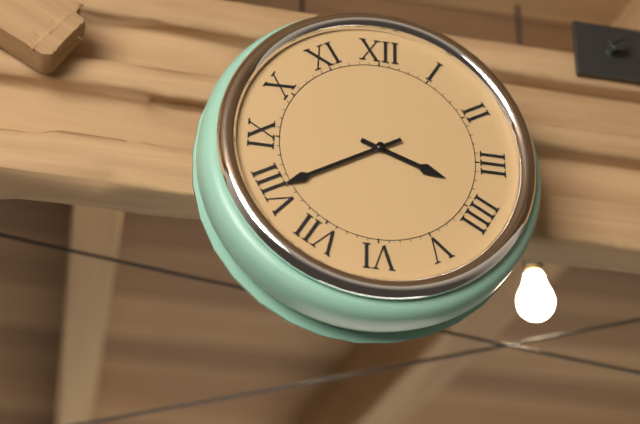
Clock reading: 3.40
